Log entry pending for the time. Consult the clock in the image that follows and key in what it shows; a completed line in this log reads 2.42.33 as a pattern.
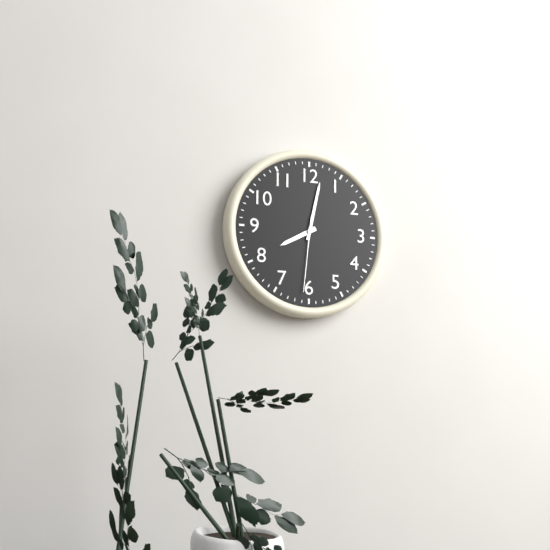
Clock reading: 8.02.31
